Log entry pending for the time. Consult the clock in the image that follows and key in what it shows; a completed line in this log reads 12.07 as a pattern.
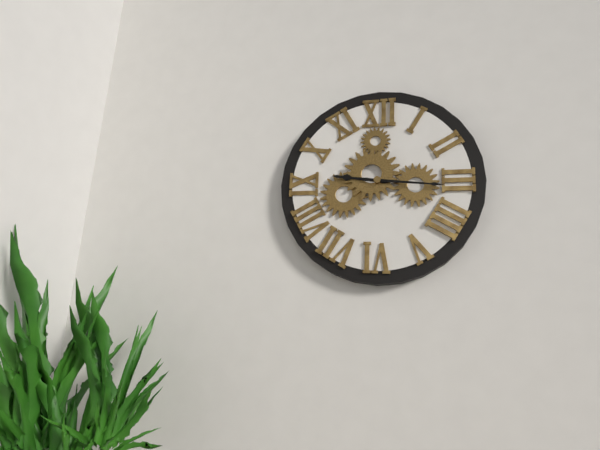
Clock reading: 9.16
